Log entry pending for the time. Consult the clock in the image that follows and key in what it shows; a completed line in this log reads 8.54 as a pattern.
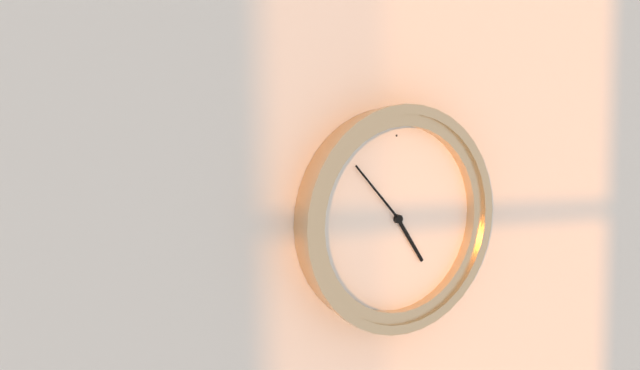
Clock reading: 4.53
